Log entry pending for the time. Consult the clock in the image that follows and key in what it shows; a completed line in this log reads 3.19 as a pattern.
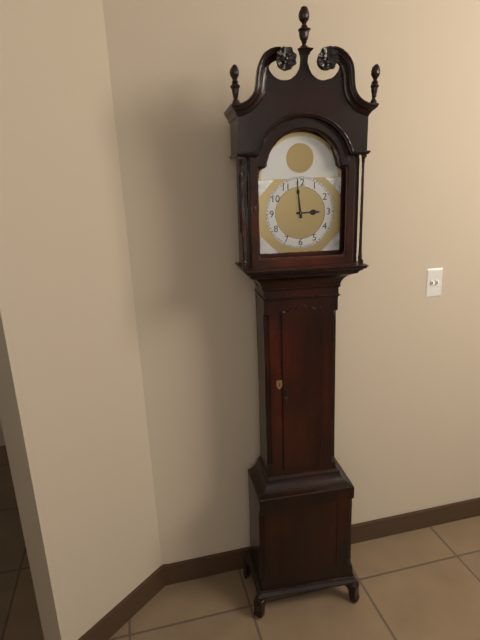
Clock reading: 2.59
